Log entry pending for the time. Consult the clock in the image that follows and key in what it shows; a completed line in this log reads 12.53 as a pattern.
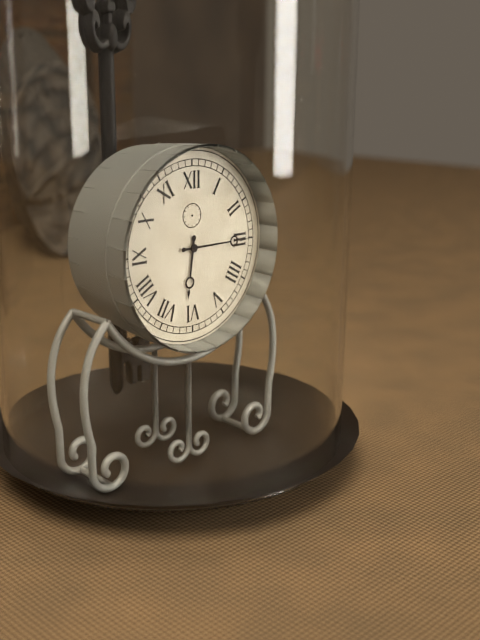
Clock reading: 6.15
